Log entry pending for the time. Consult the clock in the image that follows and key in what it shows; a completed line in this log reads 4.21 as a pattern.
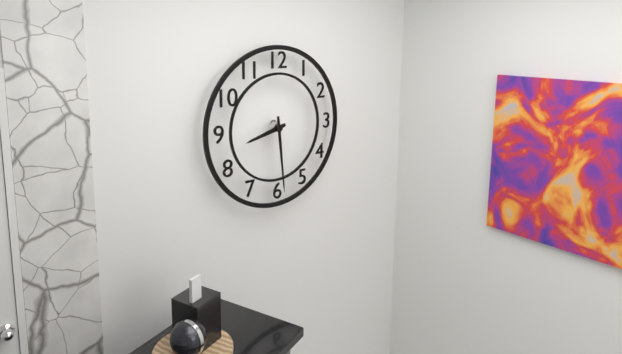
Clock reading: 8.29
